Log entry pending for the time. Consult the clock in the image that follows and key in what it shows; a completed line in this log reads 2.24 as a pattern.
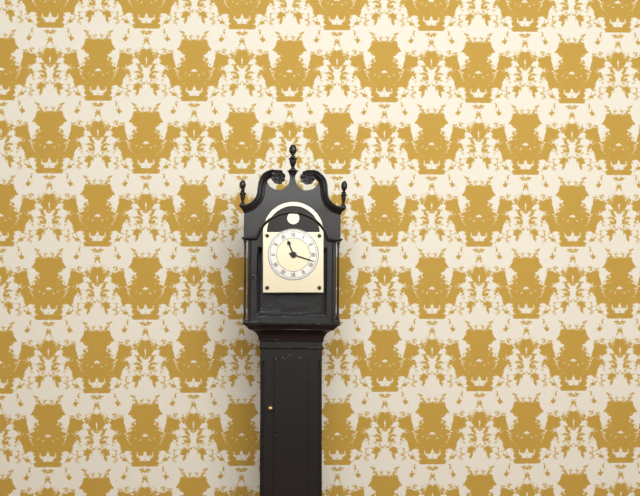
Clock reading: 11.18
